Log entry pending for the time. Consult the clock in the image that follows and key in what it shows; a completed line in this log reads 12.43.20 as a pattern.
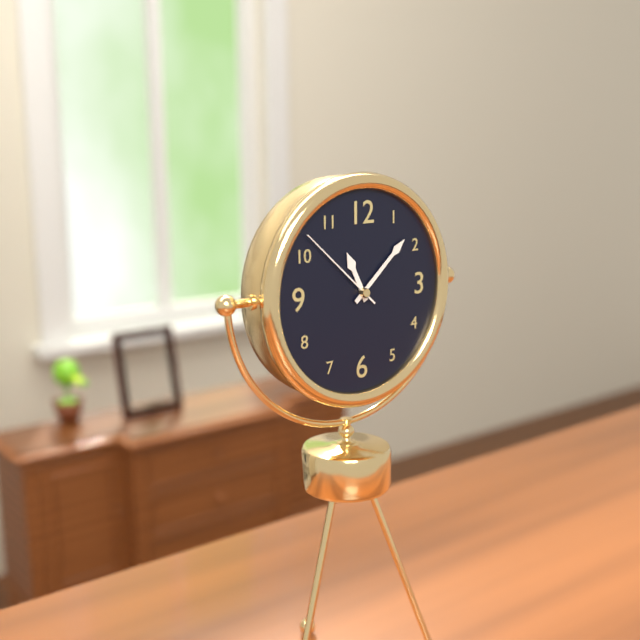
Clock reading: 11.08.52
